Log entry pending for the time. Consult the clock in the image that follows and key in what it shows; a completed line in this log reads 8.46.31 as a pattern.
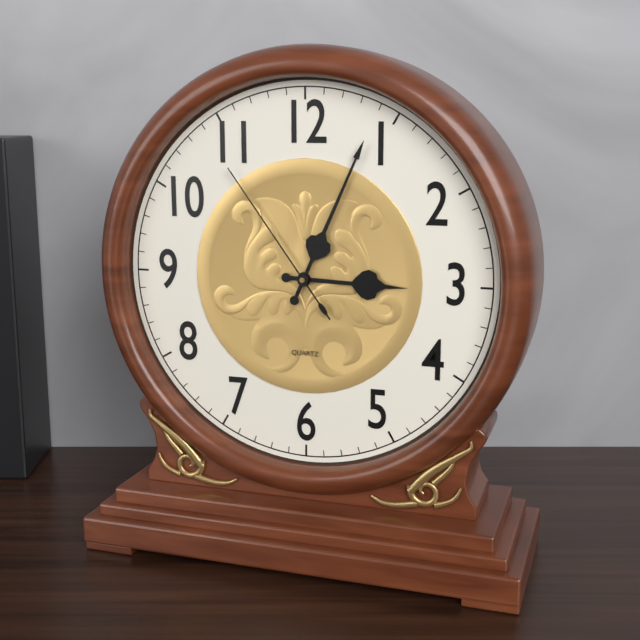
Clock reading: 3.04.54
